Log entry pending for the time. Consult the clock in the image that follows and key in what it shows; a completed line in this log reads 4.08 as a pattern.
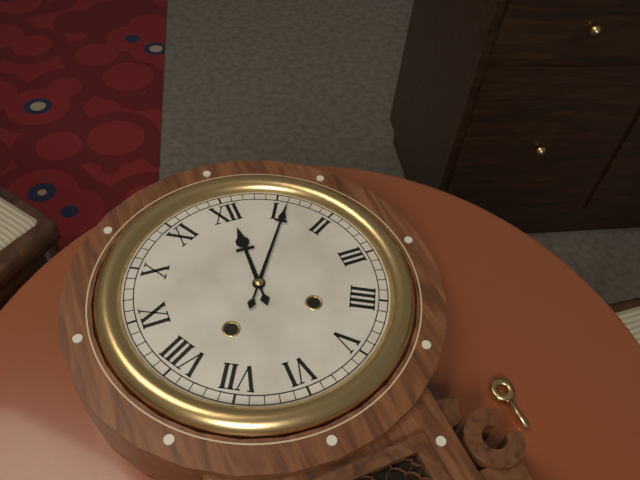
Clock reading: 12.06
